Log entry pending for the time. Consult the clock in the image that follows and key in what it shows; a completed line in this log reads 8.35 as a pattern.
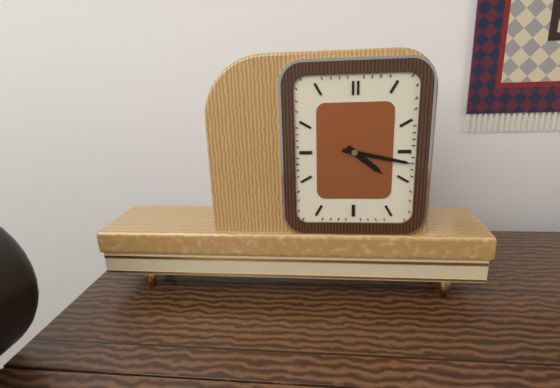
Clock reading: 4.17
